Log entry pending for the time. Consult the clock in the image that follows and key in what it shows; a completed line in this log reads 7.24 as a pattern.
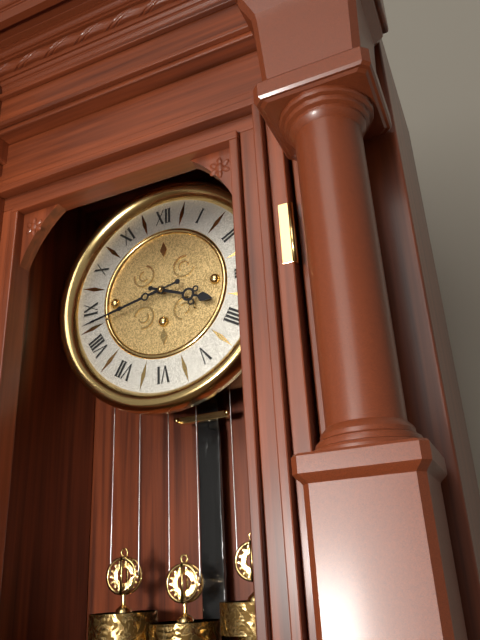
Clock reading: 3.43
